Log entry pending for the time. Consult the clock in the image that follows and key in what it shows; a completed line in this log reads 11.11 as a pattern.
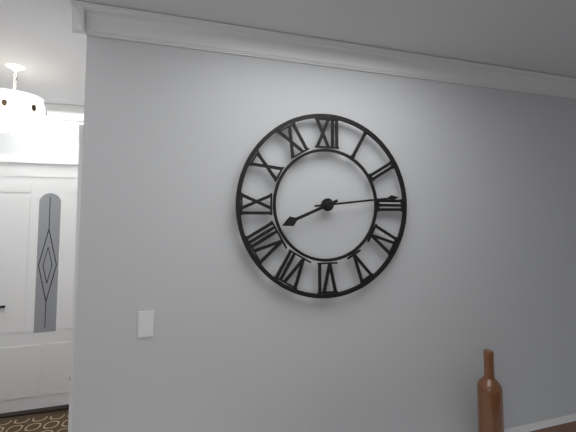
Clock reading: 8.14
